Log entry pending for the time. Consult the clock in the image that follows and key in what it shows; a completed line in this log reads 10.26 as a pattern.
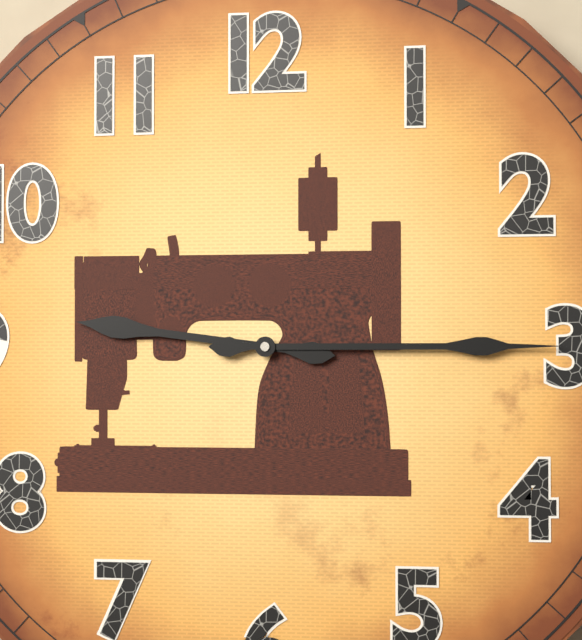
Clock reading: 9.15
